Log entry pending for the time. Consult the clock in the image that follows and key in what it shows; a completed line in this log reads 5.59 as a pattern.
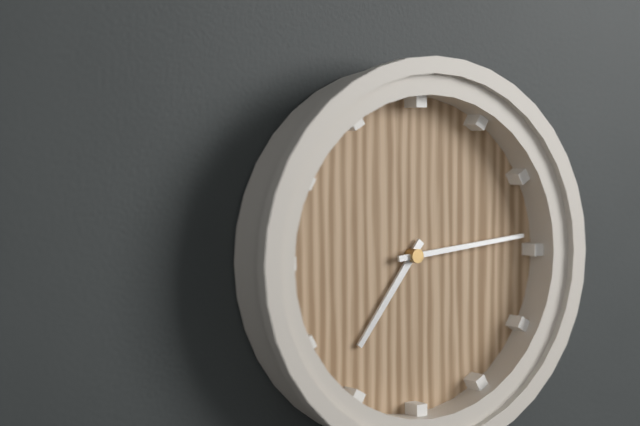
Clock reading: 7.14
